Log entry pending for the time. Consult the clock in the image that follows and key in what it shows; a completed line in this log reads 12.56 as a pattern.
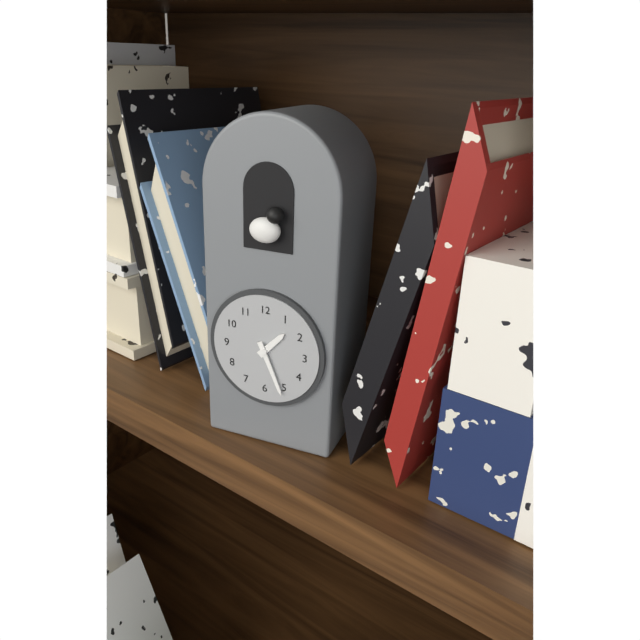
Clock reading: 1.26
